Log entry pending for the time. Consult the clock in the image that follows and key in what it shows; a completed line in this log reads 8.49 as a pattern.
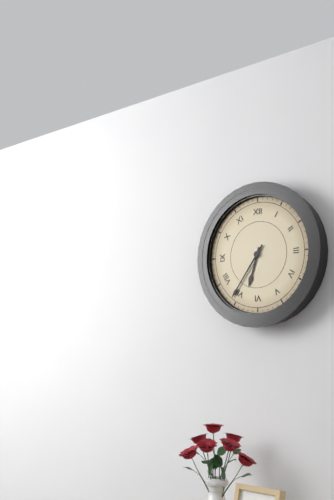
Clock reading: 6.36
